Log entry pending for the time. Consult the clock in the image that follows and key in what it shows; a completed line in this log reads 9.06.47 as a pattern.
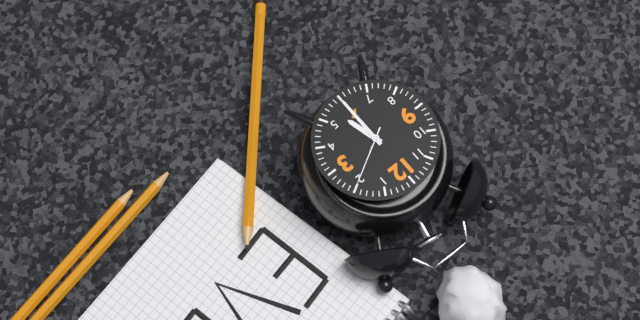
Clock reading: 5.30.10
